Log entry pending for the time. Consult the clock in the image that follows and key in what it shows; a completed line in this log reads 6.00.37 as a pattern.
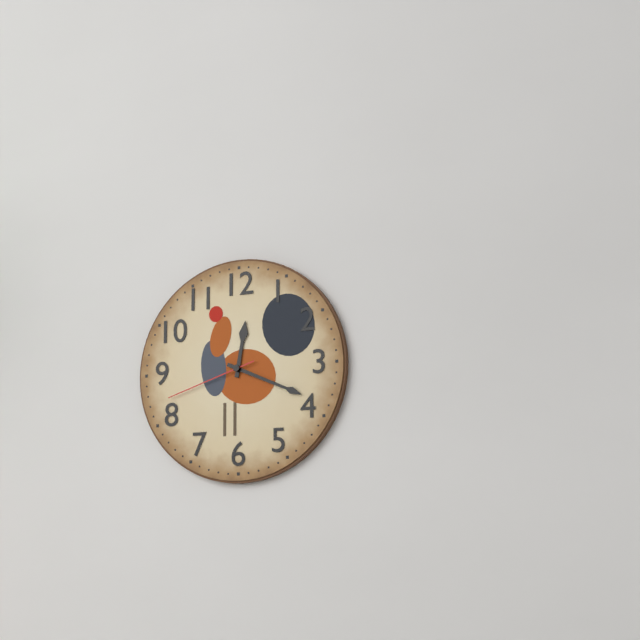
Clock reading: 12.19.42
